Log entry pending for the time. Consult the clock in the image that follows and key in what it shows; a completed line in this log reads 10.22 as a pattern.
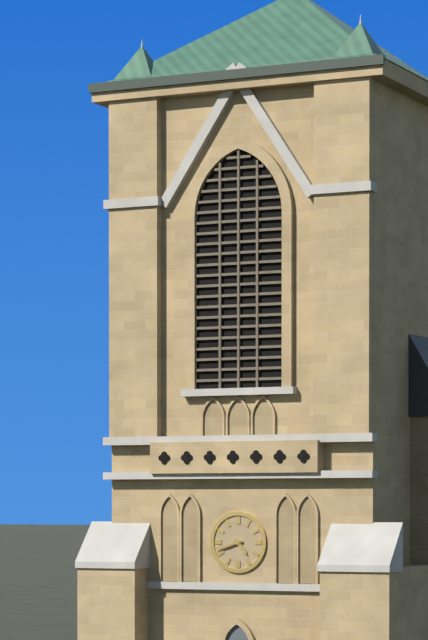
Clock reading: 4.42
